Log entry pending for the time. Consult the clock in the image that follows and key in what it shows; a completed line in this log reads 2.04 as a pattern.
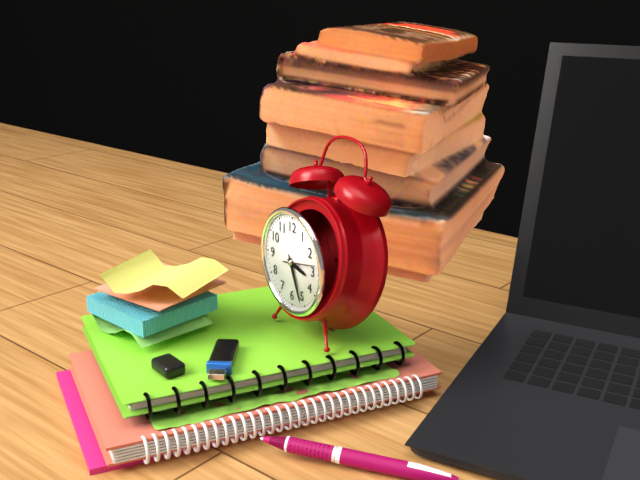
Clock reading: 3.26
